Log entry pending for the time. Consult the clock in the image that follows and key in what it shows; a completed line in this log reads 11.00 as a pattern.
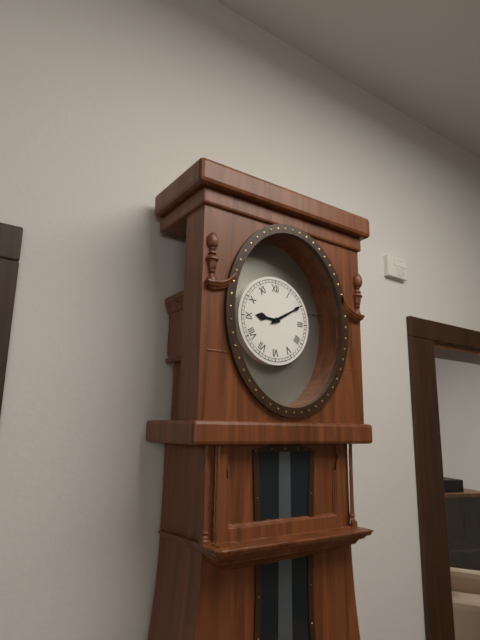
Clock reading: 9.10
